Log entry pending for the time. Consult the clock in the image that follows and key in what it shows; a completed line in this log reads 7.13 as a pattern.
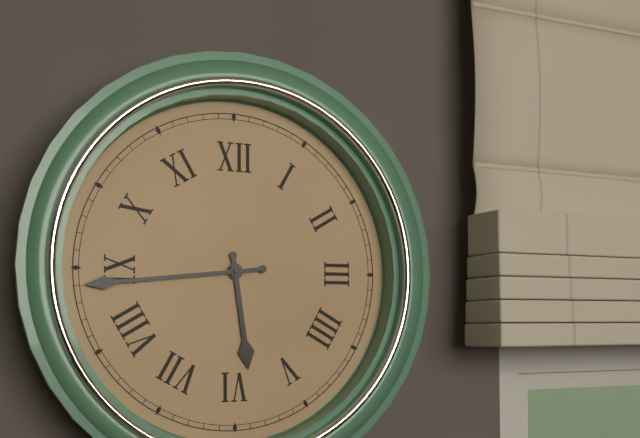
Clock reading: 5.44
